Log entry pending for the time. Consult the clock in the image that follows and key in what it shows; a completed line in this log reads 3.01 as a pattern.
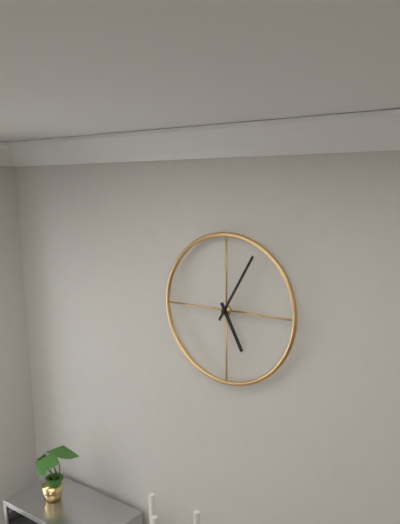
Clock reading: 5.05
